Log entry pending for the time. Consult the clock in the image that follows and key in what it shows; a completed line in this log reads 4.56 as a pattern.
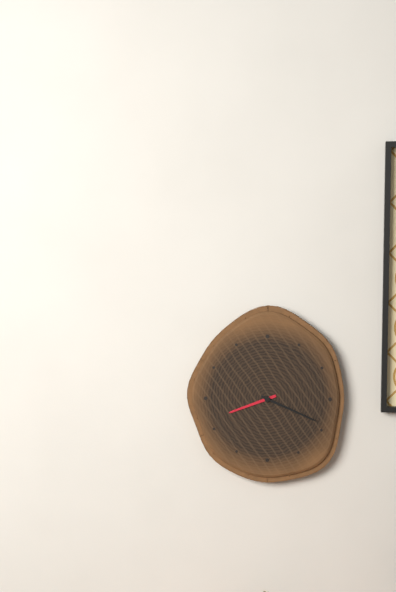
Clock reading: 8.19
